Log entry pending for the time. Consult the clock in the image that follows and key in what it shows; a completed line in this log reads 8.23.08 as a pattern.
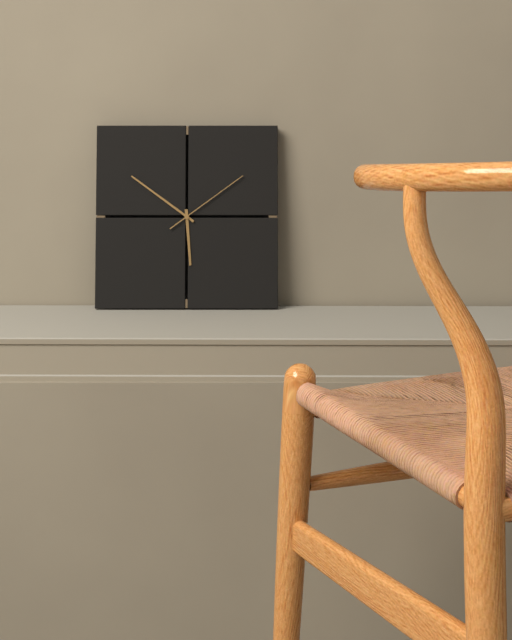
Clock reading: 5.51.09
